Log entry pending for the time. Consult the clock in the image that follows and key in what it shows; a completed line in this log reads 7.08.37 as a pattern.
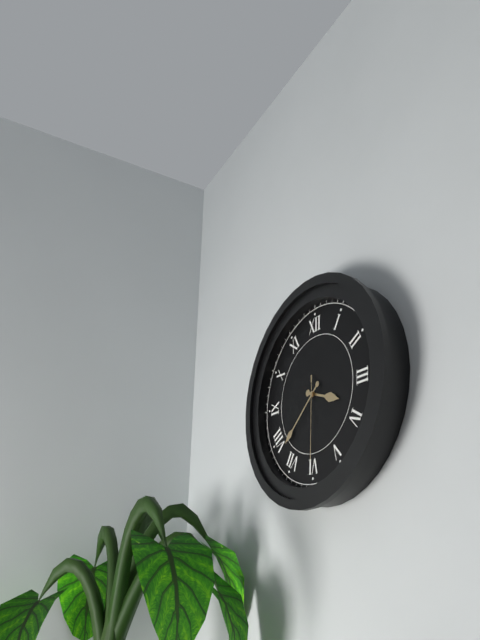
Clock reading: 3.38.30
